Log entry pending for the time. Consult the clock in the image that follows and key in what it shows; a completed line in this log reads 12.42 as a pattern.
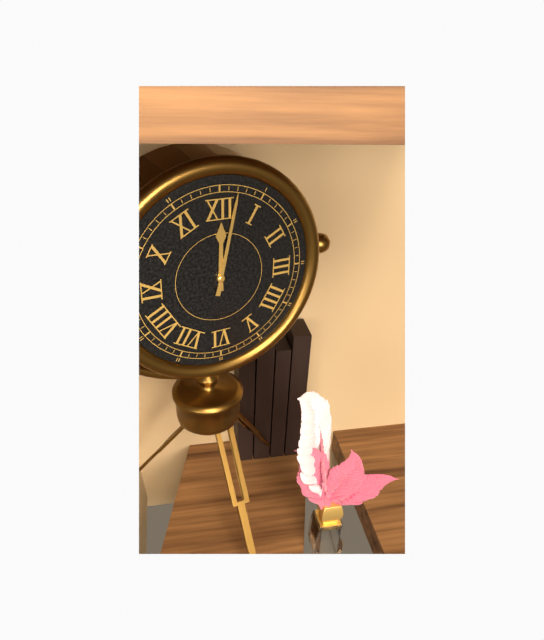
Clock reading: 12.02
